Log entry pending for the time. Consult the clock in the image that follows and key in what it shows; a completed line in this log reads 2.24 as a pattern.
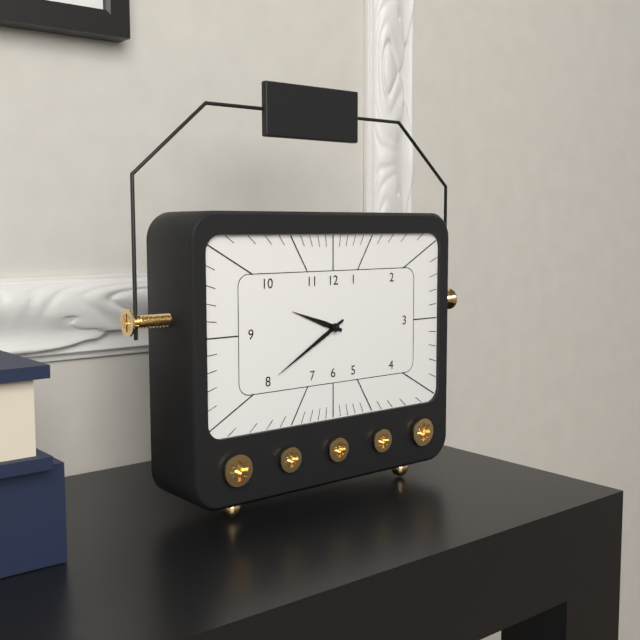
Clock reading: 9.40
